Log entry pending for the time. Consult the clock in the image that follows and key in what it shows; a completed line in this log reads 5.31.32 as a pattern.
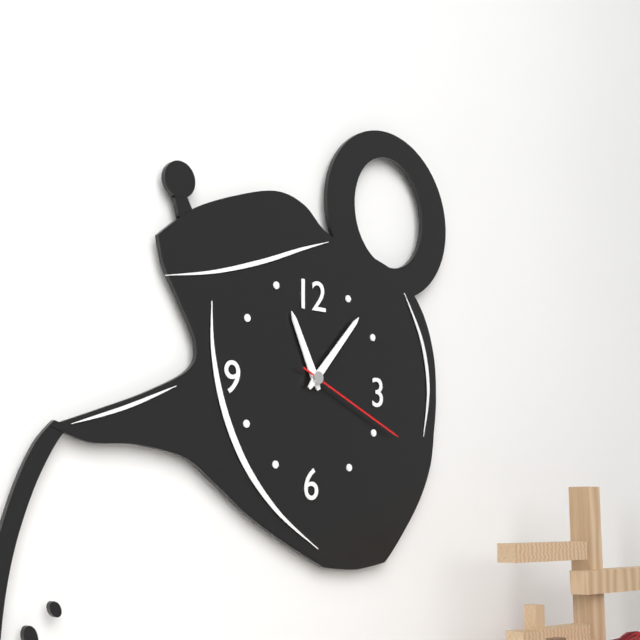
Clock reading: 11.07.19
